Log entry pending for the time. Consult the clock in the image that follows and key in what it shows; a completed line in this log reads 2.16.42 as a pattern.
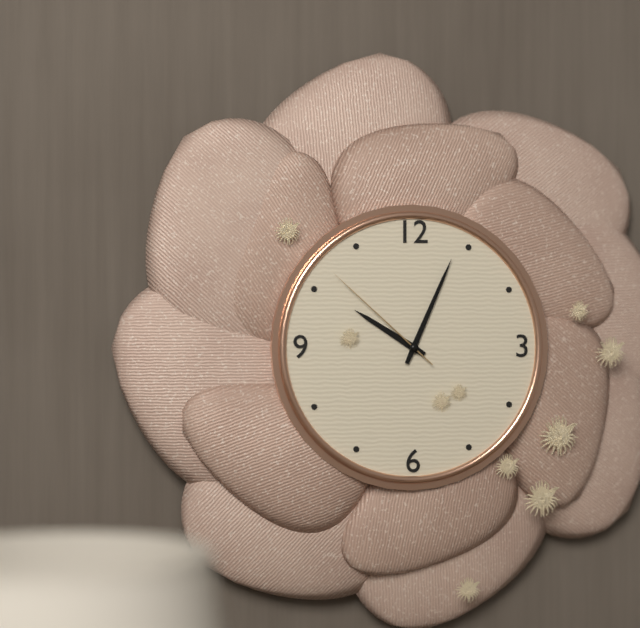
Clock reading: 10.04.52
